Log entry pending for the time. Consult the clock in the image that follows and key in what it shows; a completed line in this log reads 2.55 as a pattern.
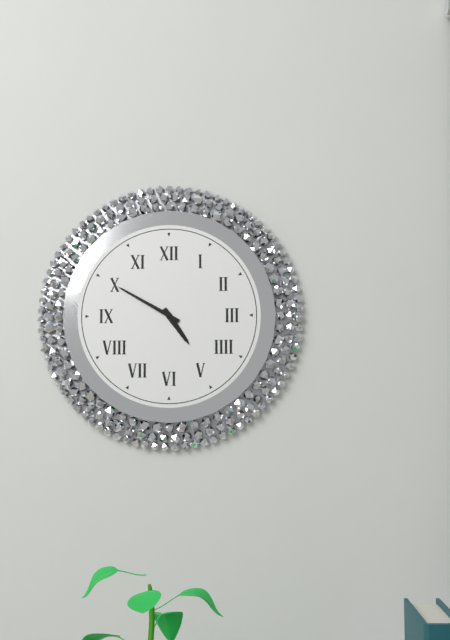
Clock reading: 4.50
